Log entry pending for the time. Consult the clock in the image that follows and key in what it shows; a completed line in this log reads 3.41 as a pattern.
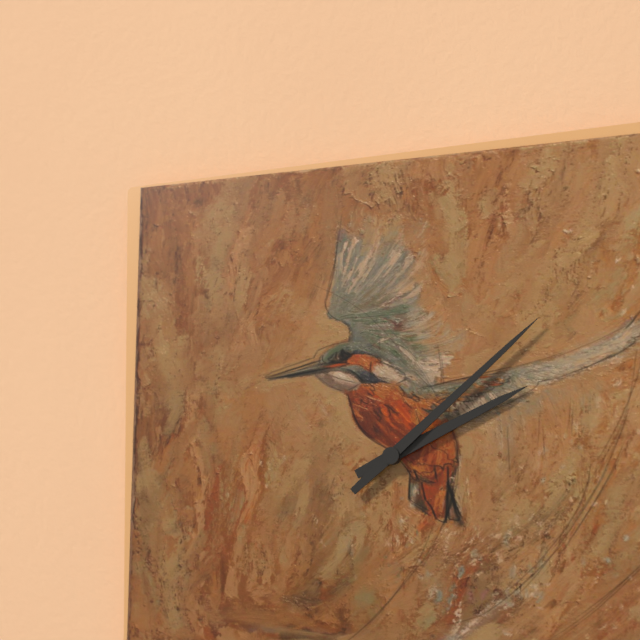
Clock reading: 2.08
